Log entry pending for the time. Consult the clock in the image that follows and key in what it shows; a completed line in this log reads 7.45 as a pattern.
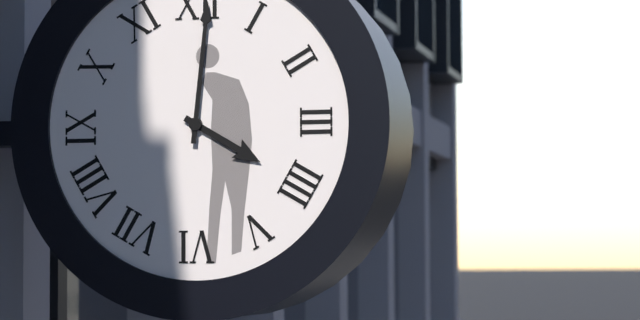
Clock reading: 4.01
